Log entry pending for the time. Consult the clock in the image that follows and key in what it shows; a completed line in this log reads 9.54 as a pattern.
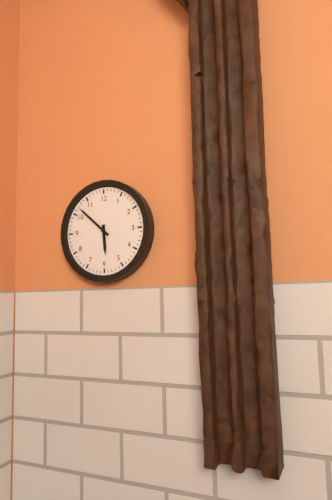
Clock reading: 5.52
